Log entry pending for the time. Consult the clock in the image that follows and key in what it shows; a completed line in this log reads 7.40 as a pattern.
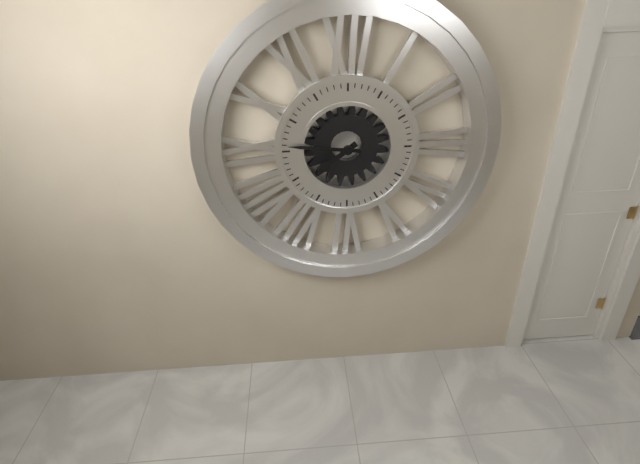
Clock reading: 7.46
